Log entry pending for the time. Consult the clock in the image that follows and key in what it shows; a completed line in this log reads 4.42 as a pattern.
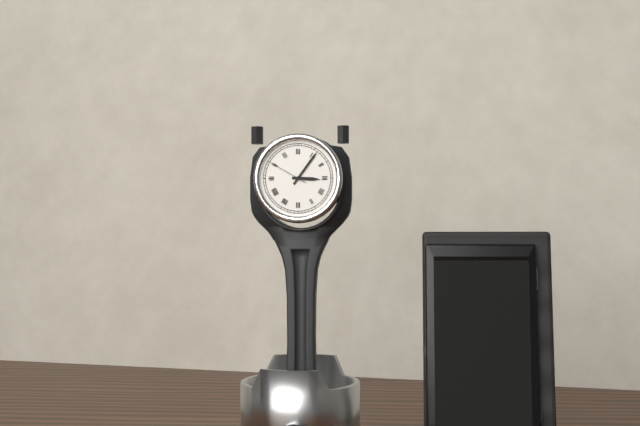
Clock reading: 3.06
